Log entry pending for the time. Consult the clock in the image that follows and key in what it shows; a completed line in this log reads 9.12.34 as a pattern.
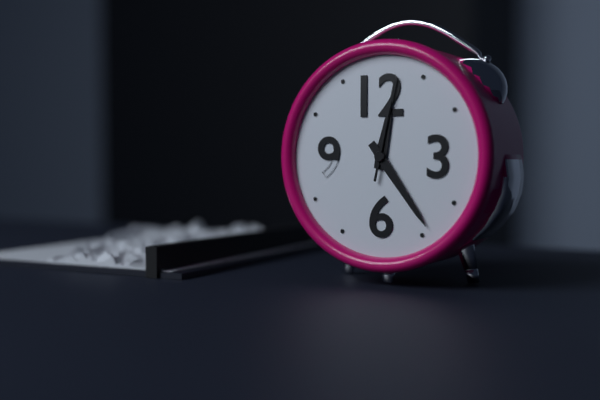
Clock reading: 12.24.02
